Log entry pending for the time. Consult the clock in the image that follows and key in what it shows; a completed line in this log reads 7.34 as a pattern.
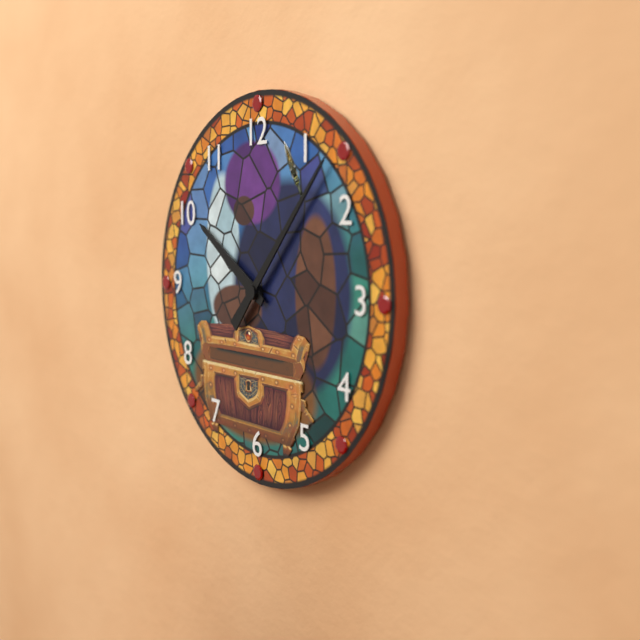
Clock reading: 10.07
